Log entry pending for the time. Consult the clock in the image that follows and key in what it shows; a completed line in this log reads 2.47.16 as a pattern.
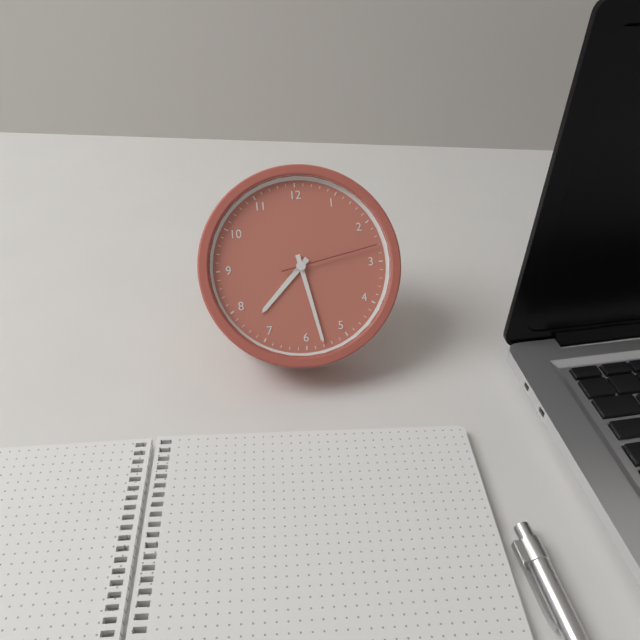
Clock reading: 7.28.13
